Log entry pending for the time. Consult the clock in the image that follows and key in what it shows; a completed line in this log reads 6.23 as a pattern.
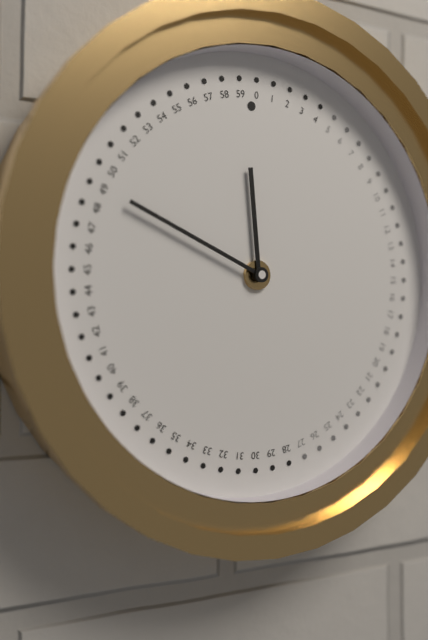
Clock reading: 11.49
